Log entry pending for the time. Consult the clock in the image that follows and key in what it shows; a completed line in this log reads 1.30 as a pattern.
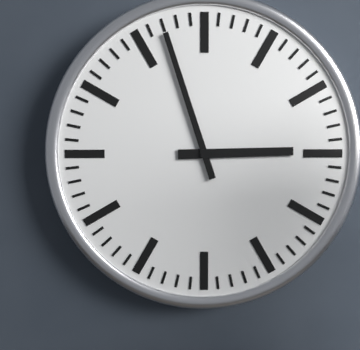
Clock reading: 2.57
